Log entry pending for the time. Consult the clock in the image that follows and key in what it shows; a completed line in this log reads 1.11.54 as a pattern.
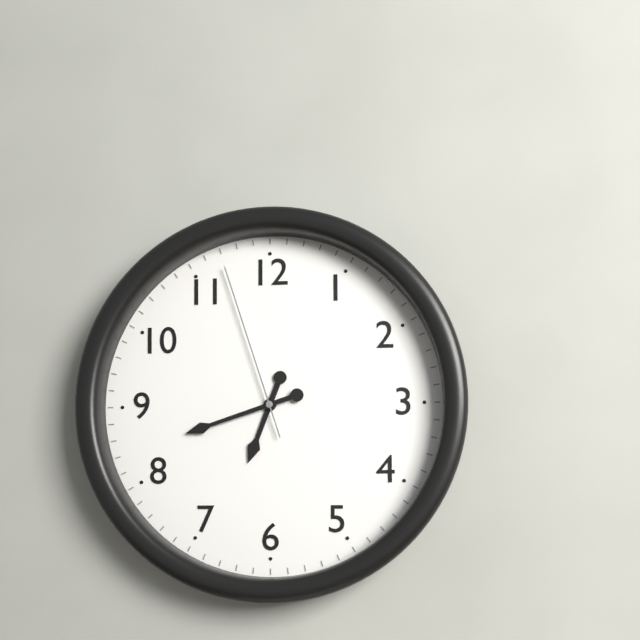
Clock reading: 6.42.57
